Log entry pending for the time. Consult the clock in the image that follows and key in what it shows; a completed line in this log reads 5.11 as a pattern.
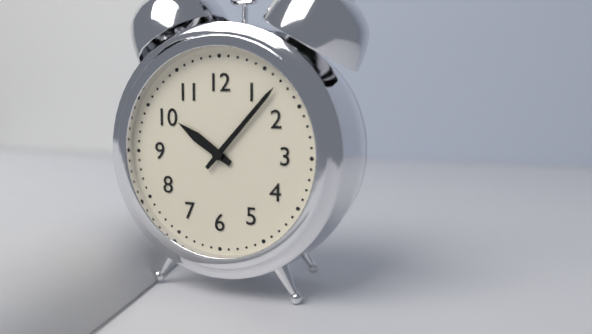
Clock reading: 10.07
